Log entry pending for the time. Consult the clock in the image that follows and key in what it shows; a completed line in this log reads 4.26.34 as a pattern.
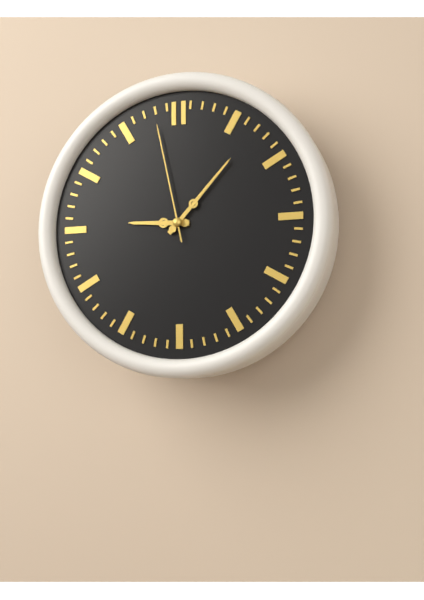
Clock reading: 9.07.58
